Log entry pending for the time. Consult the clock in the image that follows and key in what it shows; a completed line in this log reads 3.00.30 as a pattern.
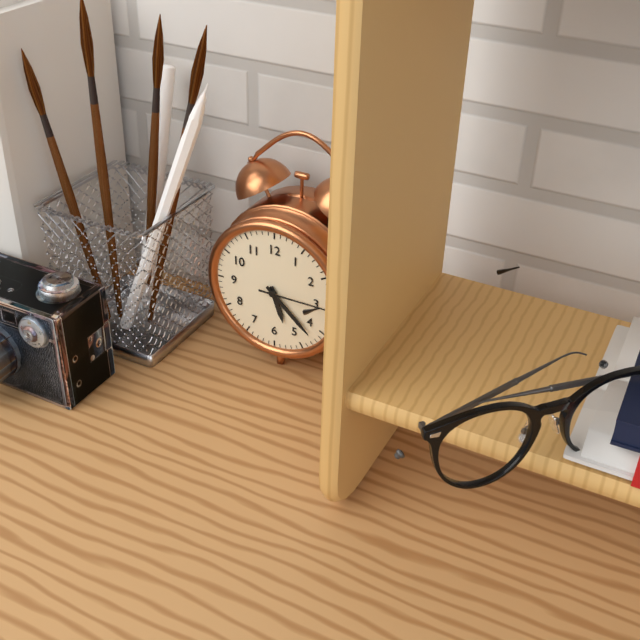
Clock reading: 5.22.15
